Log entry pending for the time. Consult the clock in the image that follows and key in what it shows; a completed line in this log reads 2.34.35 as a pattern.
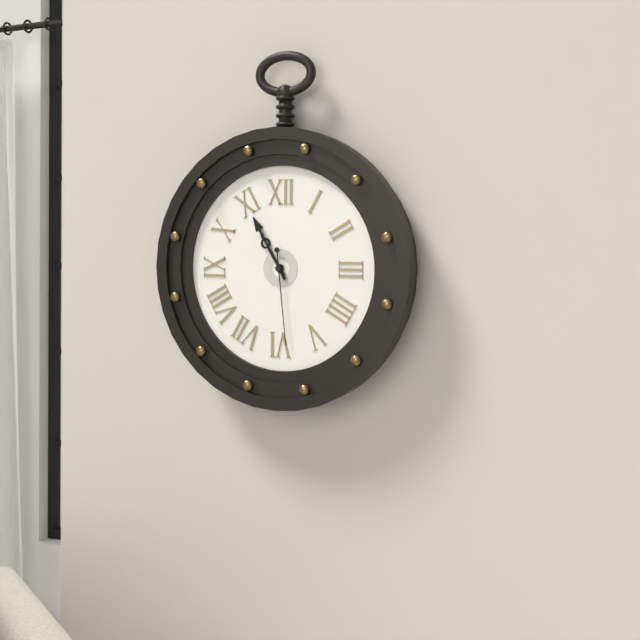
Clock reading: 10.55.29
